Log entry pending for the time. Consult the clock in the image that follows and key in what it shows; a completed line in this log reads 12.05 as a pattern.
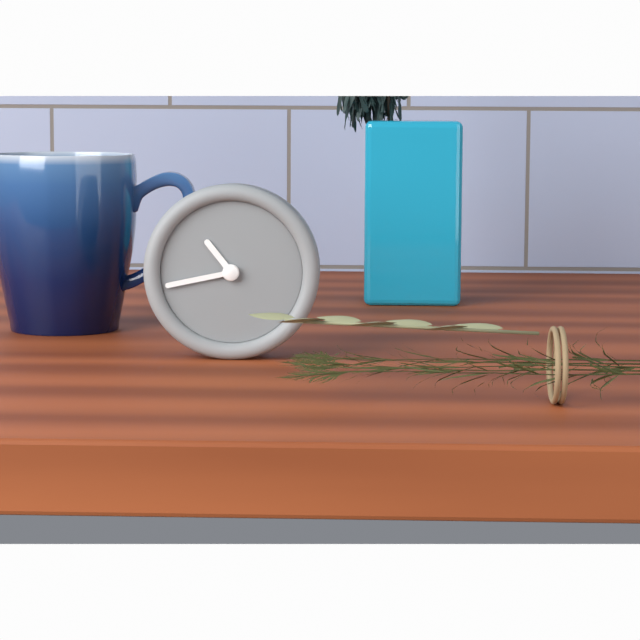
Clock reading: 10.43
